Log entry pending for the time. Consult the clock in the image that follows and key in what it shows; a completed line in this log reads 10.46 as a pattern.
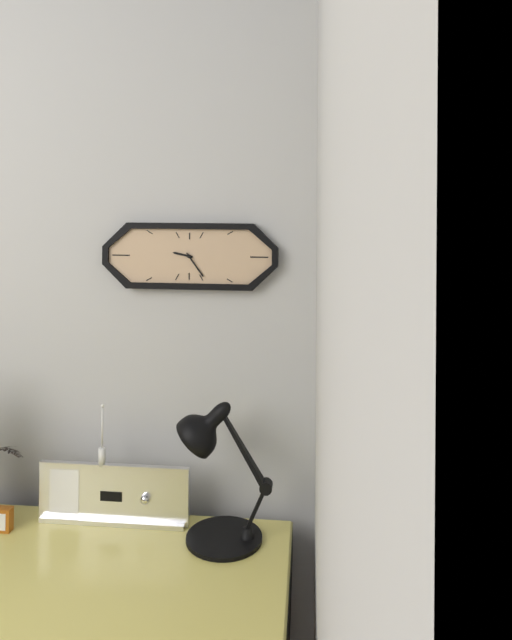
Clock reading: 9.24
